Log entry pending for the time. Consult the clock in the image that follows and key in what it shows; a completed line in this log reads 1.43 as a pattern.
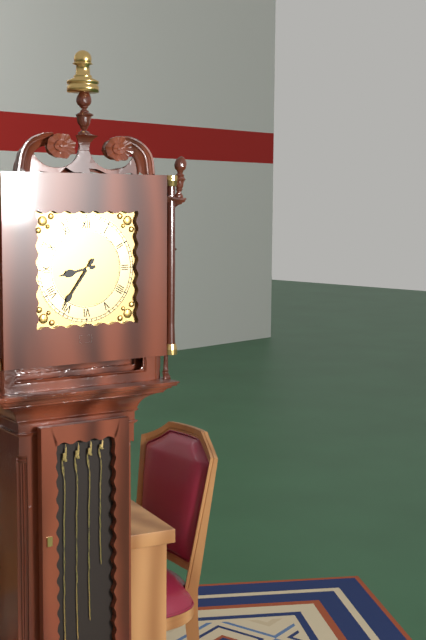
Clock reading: 8.36
